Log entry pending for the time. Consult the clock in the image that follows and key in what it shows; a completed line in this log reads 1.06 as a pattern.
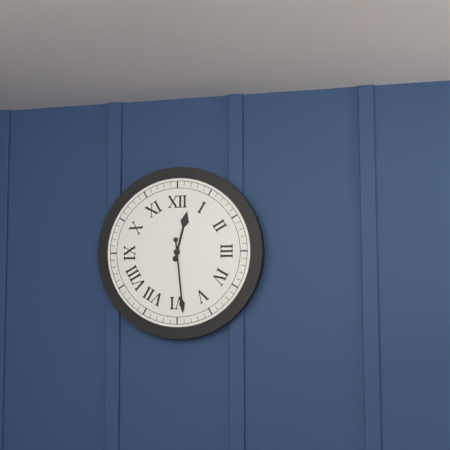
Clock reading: 12.29
